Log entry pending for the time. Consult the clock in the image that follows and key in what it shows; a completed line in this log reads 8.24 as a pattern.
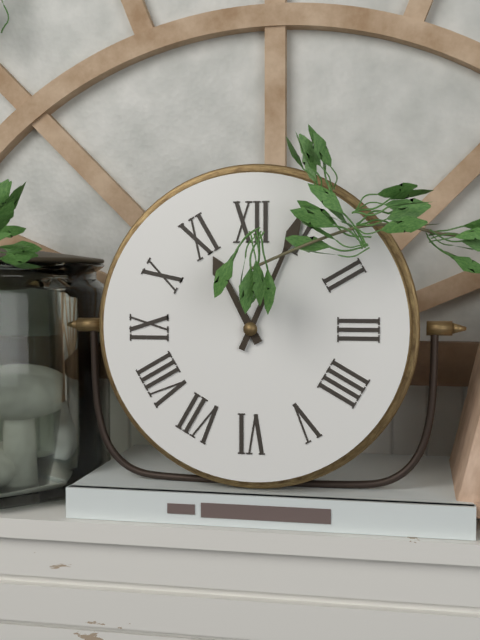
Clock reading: 11.04
